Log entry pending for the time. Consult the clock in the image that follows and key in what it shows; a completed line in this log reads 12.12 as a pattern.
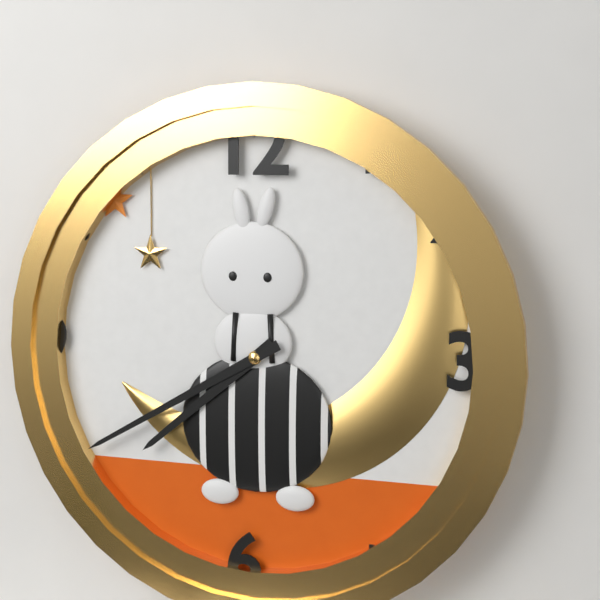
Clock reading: 7.40
